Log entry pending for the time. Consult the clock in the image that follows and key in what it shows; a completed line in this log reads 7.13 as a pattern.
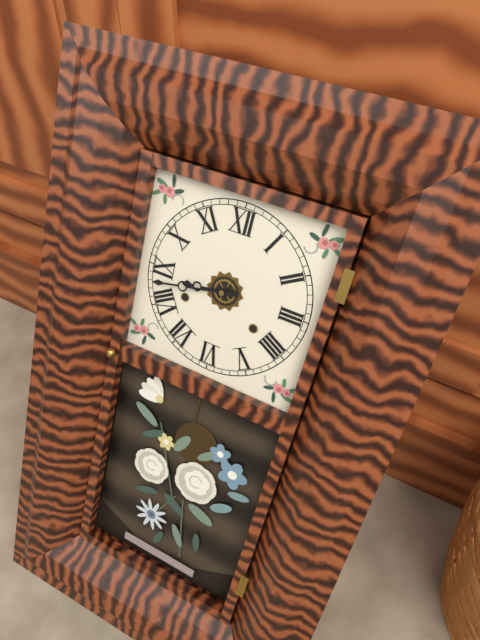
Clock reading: 8.43
